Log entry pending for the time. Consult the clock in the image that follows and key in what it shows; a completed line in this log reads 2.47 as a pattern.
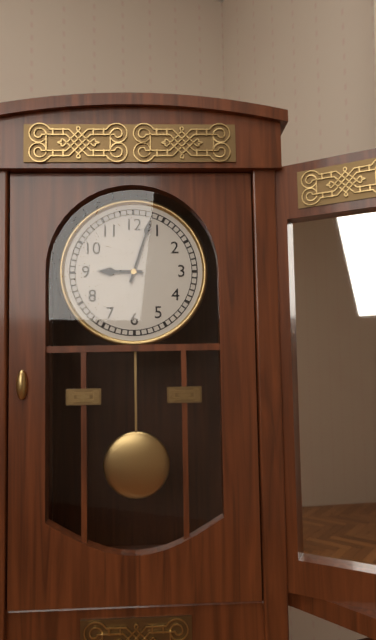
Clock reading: 9.03
